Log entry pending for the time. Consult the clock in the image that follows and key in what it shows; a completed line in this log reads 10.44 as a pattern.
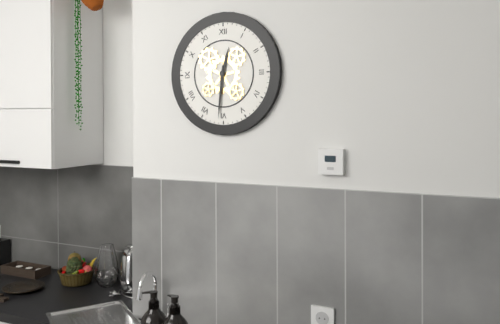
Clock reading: 12.31
